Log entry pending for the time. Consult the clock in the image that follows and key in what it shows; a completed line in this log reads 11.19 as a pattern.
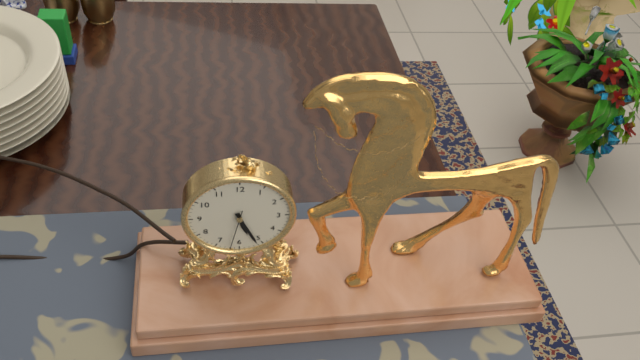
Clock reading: 5.26
